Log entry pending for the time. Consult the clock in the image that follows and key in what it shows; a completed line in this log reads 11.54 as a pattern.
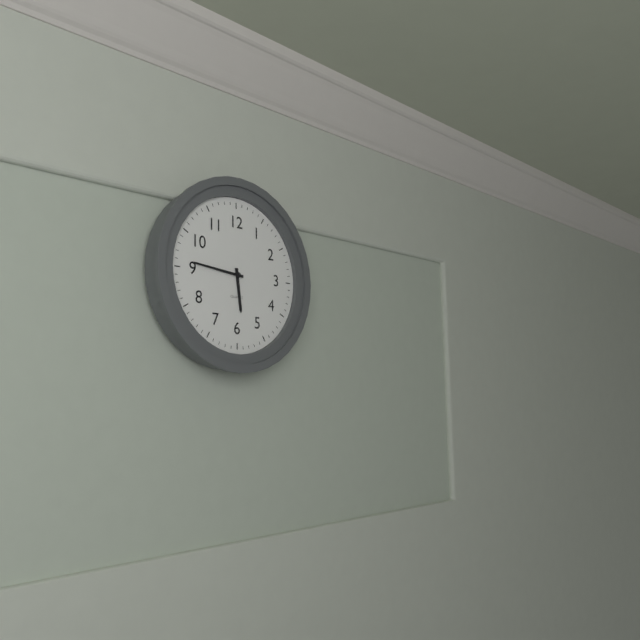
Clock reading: 5.46
